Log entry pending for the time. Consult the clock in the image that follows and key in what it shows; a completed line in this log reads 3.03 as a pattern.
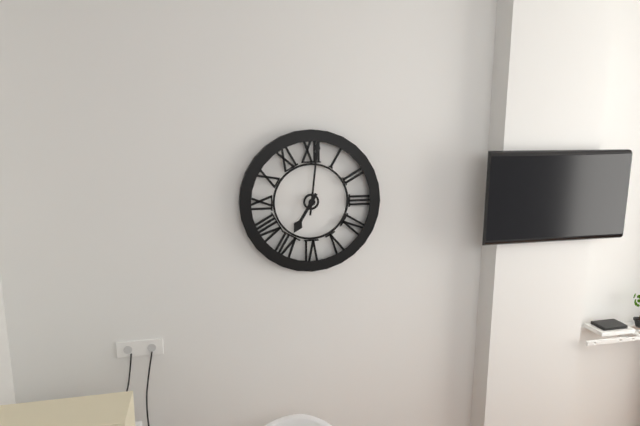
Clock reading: 7.01
